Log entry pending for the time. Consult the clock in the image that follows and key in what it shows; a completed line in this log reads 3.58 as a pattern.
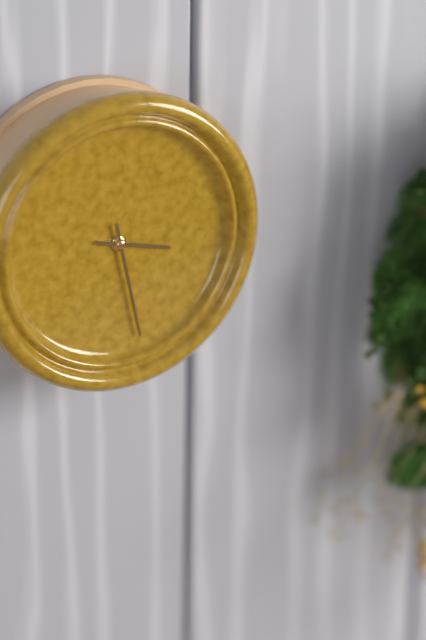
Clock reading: 3.28
